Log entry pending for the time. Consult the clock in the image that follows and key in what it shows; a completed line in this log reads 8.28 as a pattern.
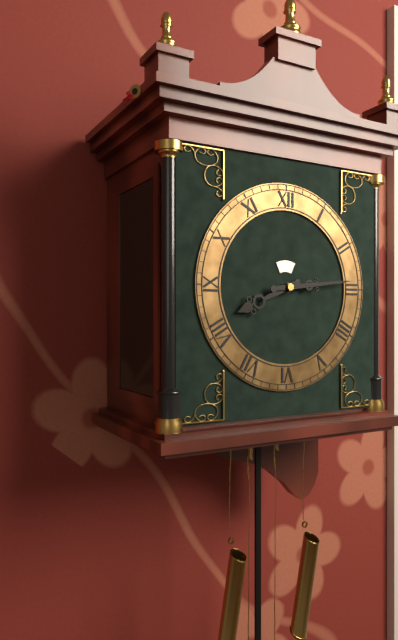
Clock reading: 8.14
